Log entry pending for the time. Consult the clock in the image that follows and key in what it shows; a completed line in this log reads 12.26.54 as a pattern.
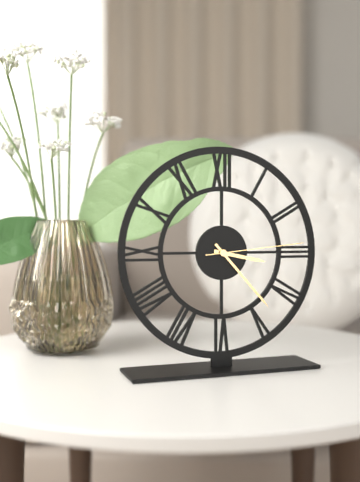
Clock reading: 3.23.14
